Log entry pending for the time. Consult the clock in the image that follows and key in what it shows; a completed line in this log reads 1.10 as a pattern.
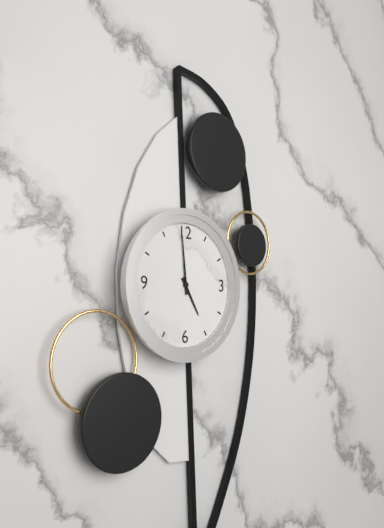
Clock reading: 4.59
